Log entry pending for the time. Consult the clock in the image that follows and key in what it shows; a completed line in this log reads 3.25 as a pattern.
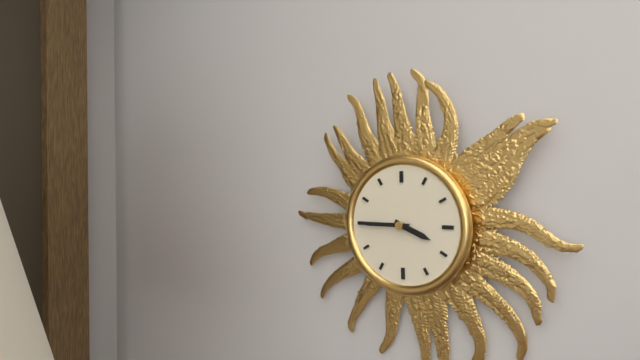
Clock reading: 3.45
